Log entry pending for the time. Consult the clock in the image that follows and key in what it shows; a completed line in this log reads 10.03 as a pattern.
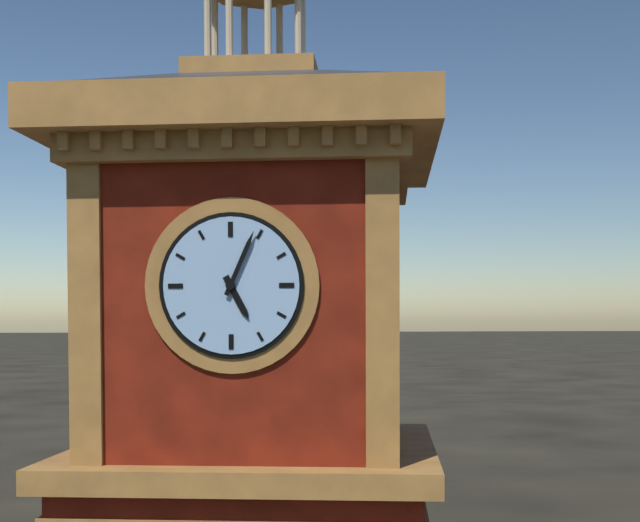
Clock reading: 5.04
